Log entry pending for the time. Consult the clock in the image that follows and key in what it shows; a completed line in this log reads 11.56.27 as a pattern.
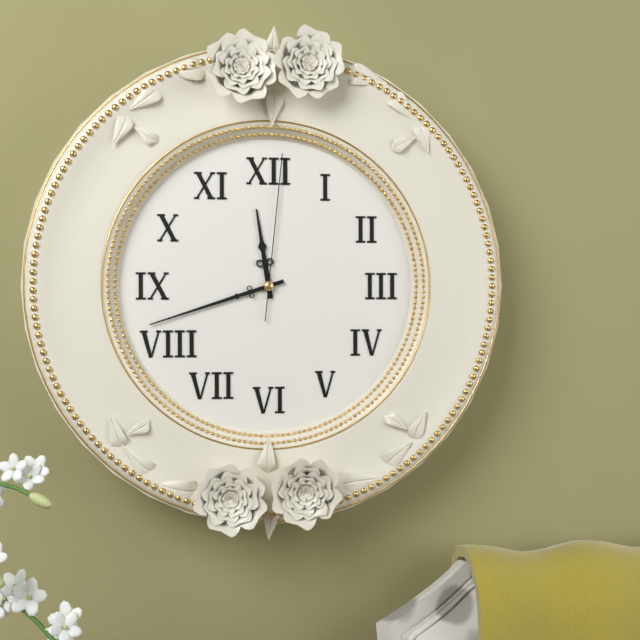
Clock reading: 11.42.01
